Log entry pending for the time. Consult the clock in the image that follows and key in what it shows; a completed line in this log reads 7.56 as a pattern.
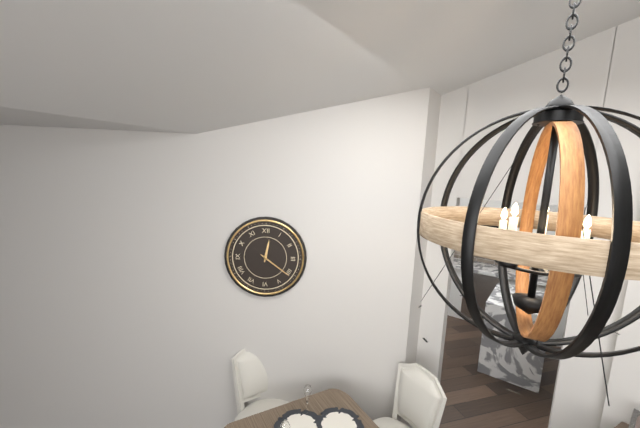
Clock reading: 12.21
